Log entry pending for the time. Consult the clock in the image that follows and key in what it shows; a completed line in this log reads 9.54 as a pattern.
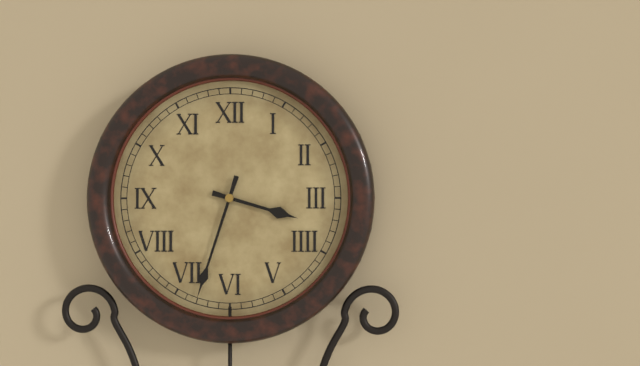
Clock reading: 3.33
